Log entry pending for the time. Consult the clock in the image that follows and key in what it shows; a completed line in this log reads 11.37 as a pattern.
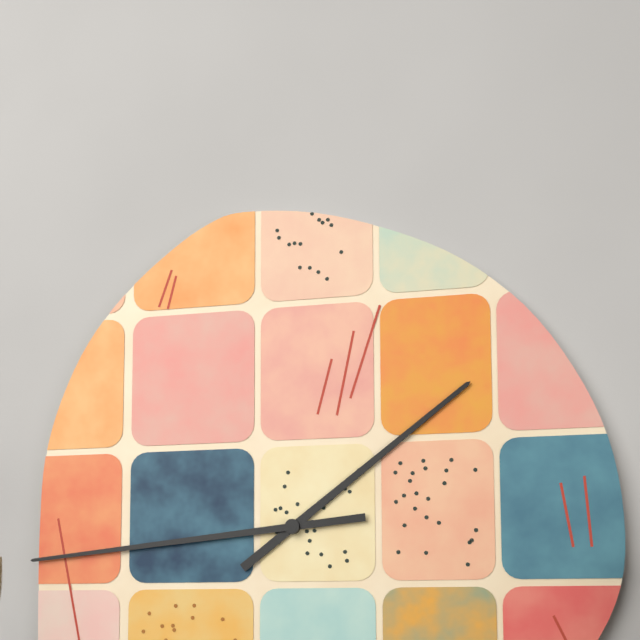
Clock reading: 1.44
